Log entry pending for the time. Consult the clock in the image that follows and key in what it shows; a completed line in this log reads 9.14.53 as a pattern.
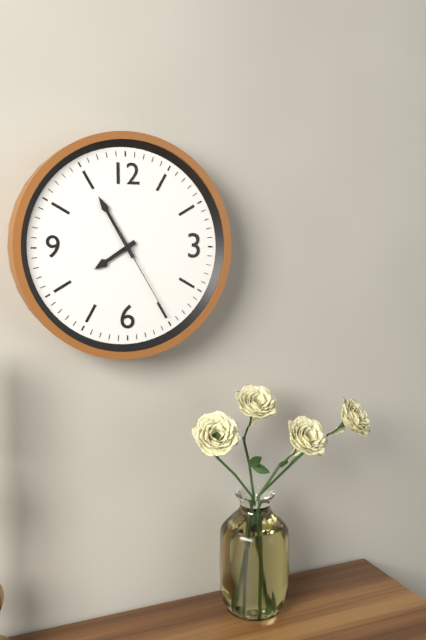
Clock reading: 7.55.25
